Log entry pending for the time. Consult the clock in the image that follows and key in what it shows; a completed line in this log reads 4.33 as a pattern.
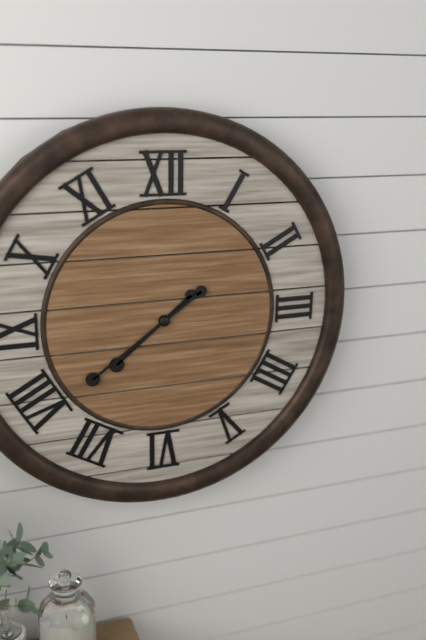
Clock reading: 7.39
